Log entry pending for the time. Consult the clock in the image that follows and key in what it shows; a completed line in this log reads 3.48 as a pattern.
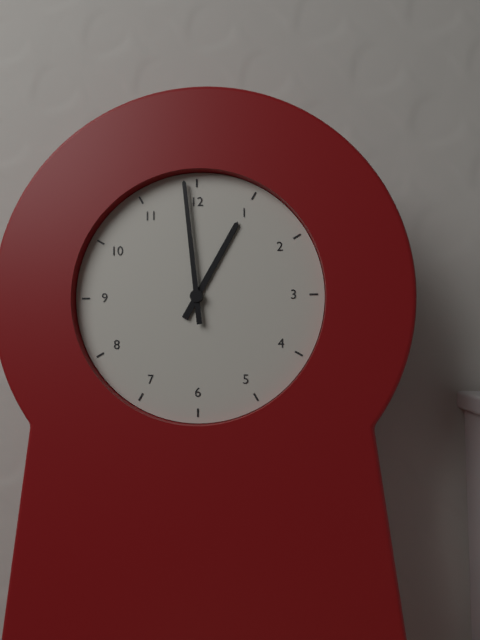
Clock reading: 12.59
